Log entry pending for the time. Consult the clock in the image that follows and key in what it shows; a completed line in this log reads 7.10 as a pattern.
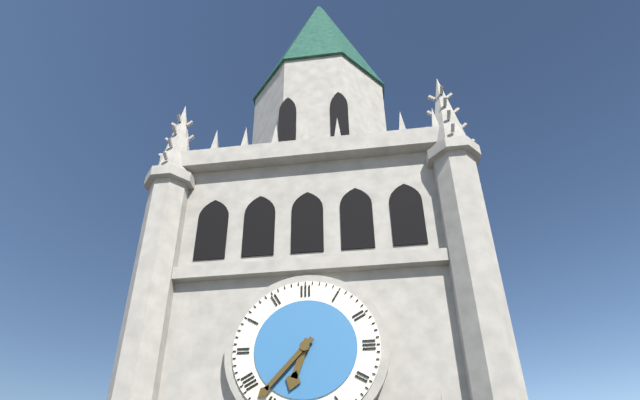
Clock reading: 6.37
